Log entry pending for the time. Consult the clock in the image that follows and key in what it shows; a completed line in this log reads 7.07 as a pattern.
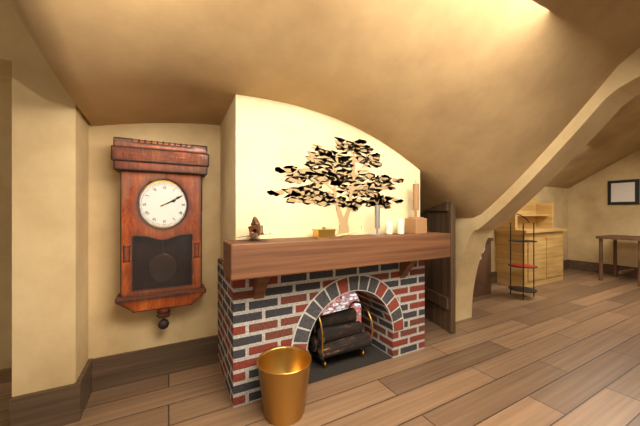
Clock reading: 2.10
